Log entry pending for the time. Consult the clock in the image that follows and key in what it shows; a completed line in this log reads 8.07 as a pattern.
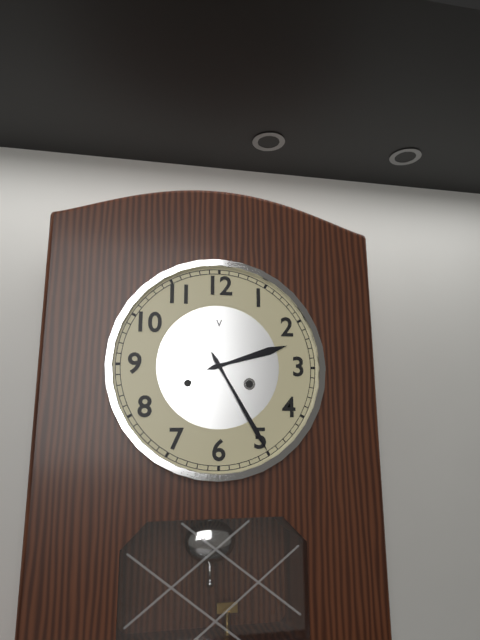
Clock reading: 2.25
